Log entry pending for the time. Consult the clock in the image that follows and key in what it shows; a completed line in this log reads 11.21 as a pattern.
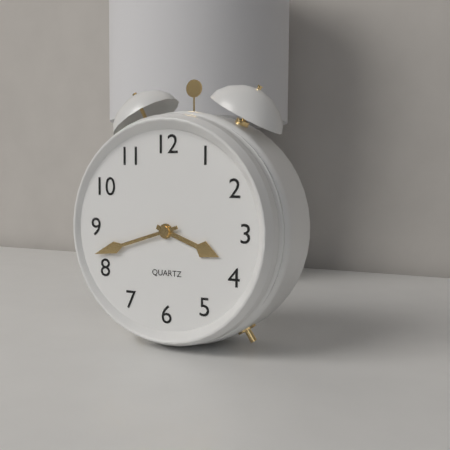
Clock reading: 3.42
